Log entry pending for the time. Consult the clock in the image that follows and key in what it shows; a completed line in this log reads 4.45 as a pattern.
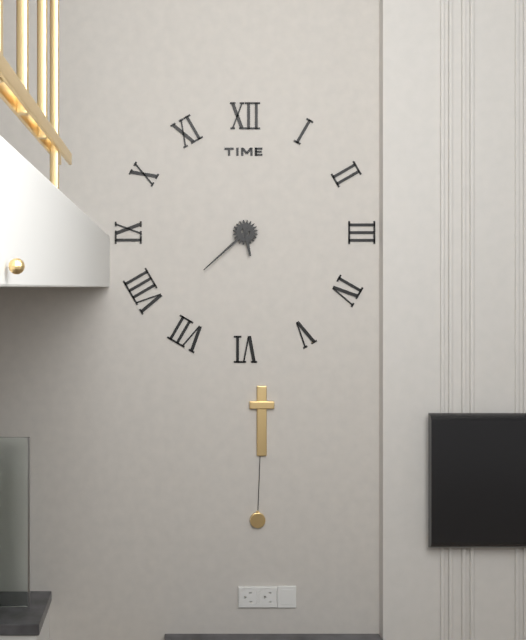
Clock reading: 5.38
